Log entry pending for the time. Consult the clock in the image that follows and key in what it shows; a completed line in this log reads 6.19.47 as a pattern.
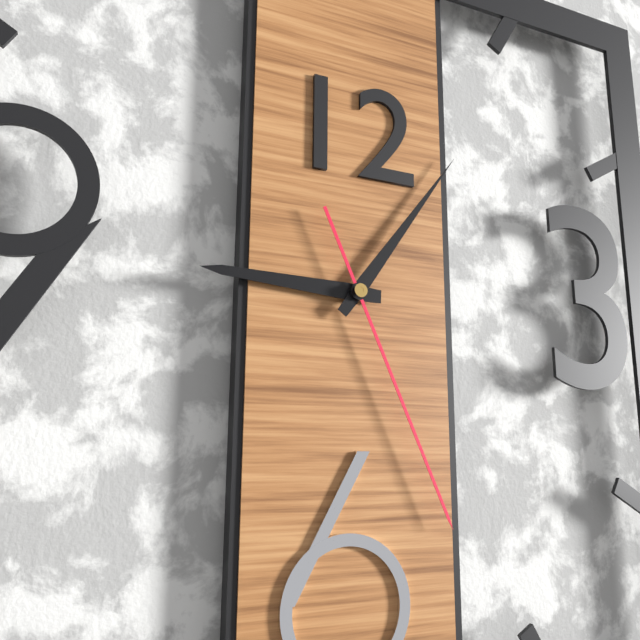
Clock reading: 9.06.26
